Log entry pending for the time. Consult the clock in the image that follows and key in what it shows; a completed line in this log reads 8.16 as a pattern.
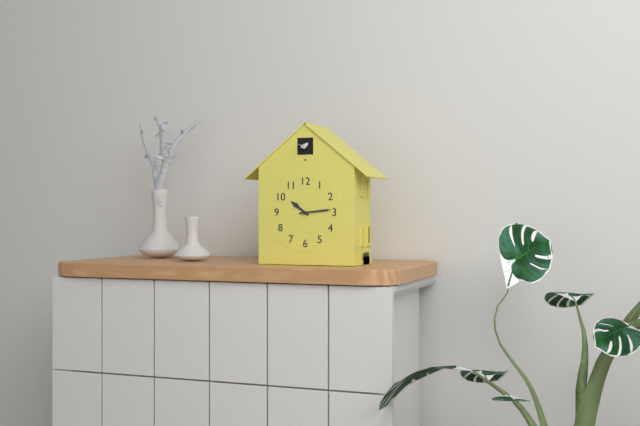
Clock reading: 10.14
